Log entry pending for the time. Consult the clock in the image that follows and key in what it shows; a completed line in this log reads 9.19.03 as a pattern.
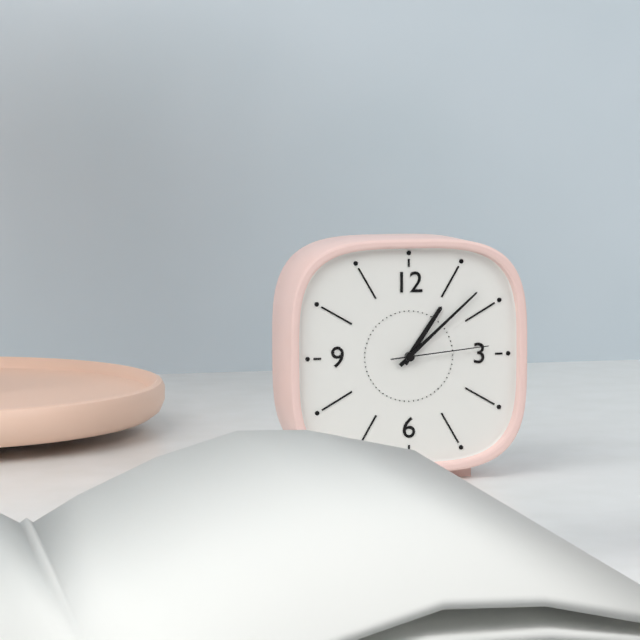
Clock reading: 1.08.14
